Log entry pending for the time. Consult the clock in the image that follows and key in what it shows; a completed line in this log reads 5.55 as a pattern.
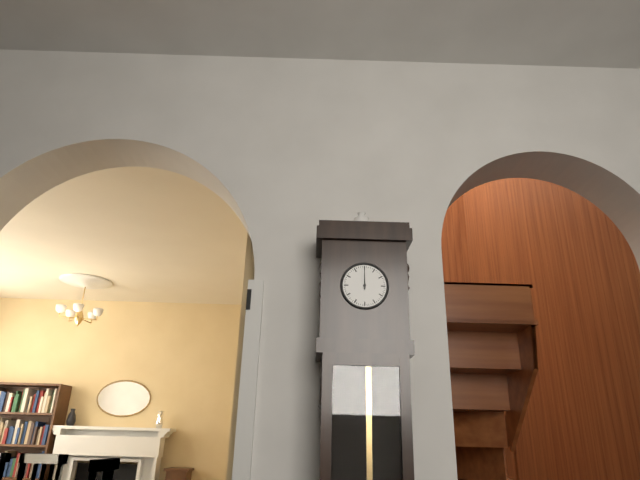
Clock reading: 12.00
